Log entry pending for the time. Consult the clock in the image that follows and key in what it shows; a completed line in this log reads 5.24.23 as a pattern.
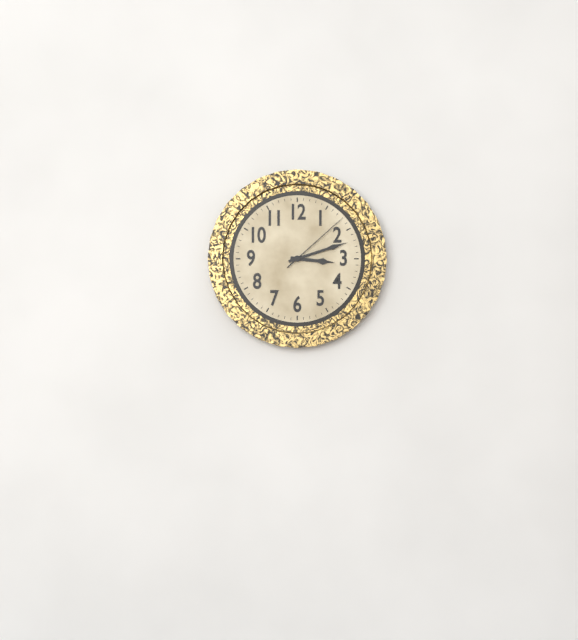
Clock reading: 3.12.08
